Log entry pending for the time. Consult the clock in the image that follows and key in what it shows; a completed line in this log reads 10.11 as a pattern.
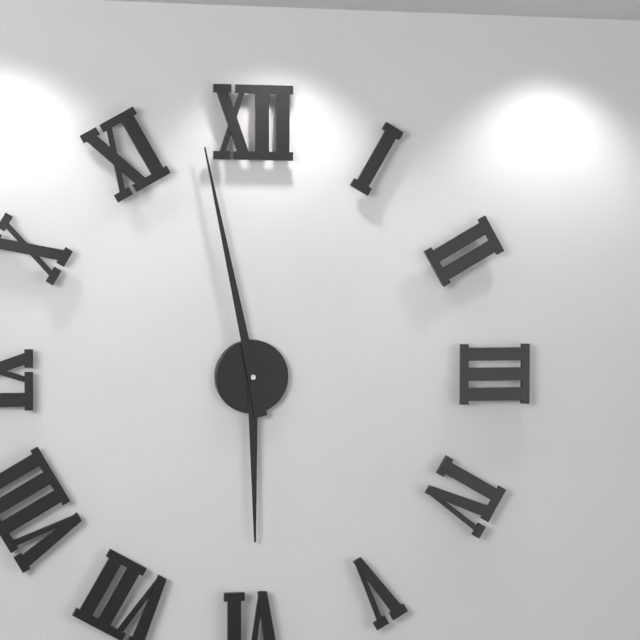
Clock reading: 5.58
